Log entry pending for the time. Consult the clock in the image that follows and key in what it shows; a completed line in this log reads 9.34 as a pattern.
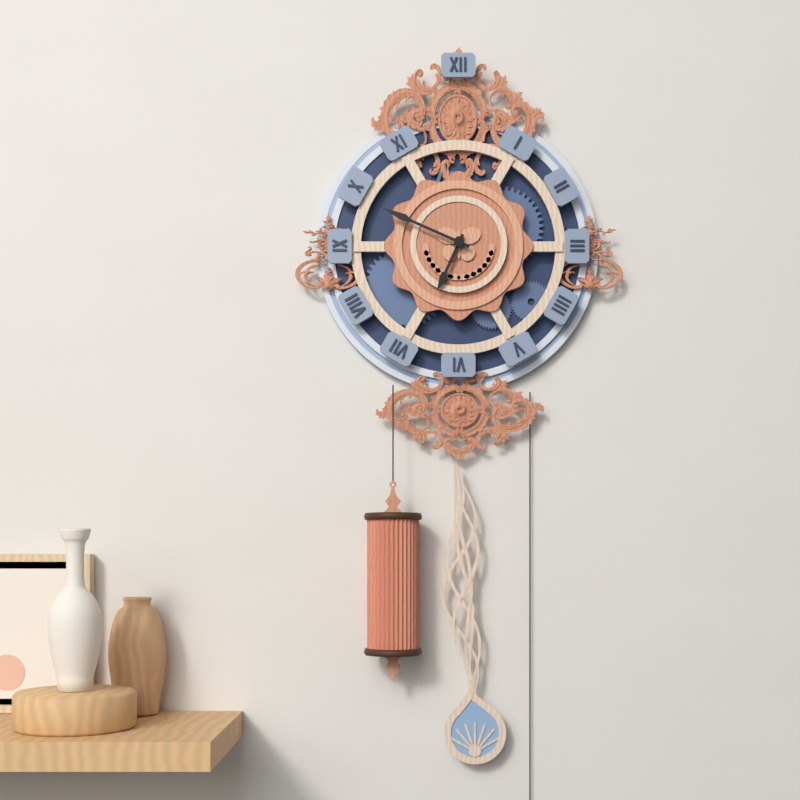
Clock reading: 6.49
